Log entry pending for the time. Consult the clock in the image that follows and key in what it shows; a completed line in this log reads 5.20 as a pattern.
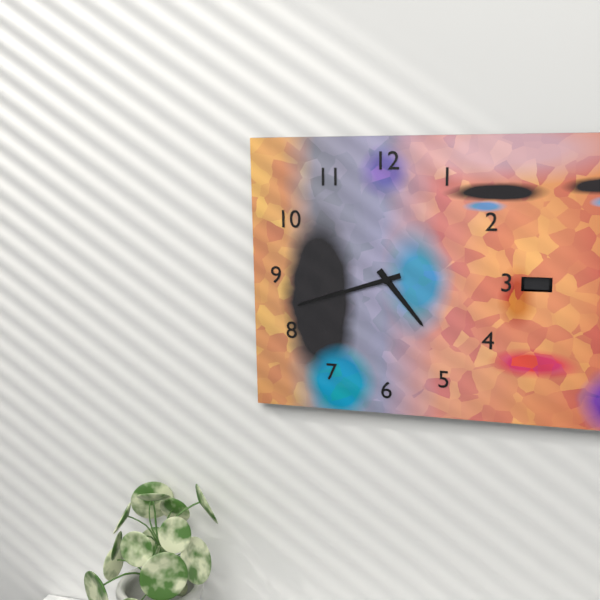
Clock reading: 4.42
